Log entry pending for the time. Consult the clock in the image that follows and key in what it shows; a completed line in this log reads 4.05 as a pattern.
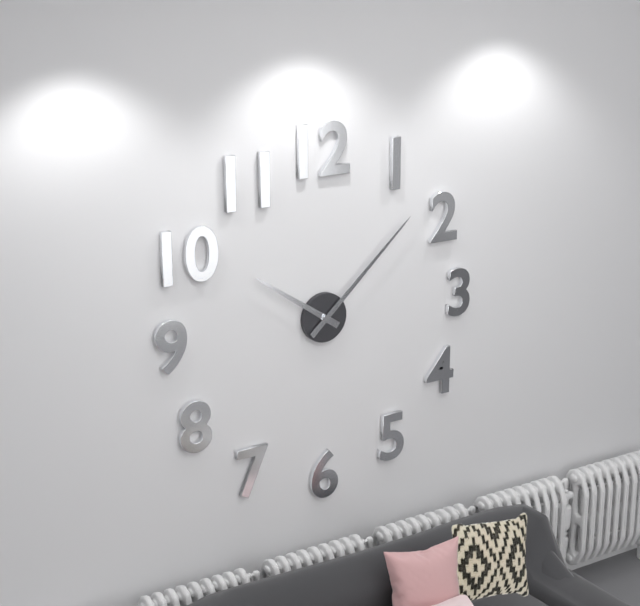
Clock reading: 10.08
